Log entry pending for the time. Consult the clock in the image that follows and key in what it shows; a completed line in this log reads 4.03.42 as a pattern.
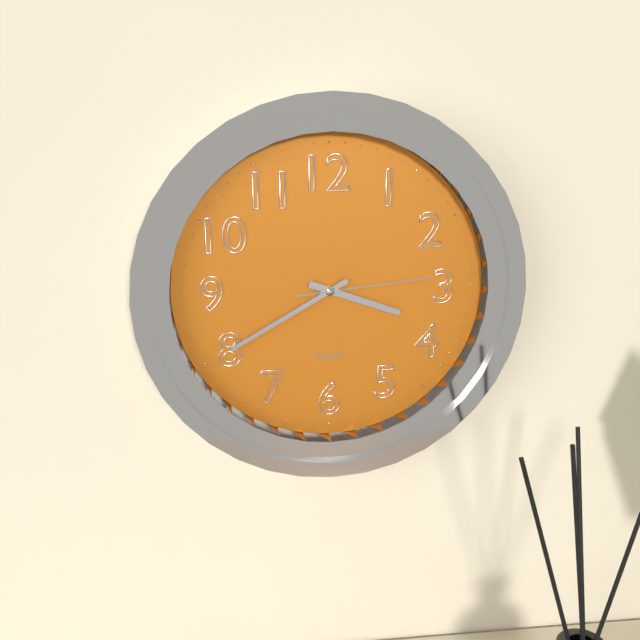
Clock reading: 3.40.14
